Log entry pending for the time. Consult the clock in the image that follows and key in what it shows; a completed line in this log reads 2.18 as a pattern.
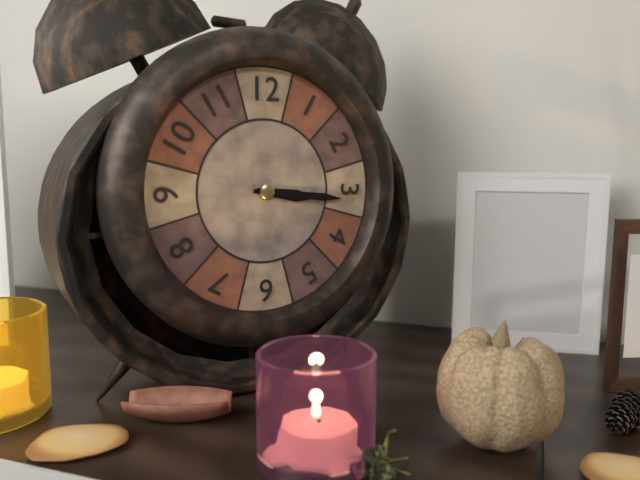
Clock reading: 3.16
